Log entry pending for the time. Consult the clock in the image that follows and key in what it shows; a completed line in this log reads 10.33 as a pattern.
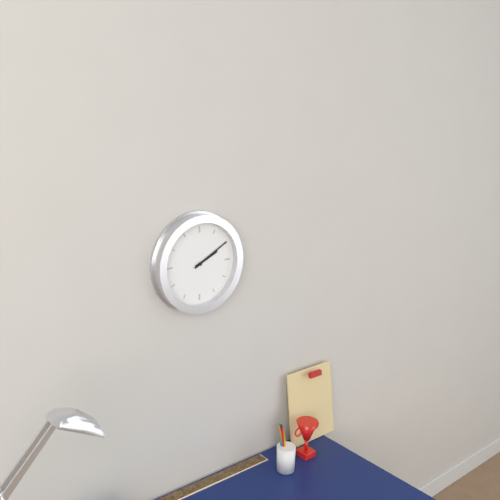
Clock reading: 2.10
